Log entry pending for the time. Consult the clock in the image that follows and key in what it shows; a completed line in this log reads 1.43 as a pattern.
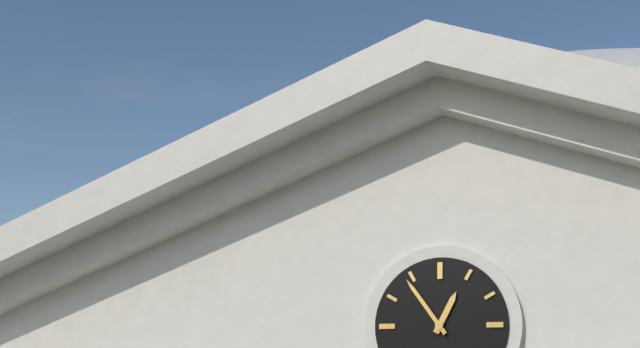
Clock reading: 12.54
